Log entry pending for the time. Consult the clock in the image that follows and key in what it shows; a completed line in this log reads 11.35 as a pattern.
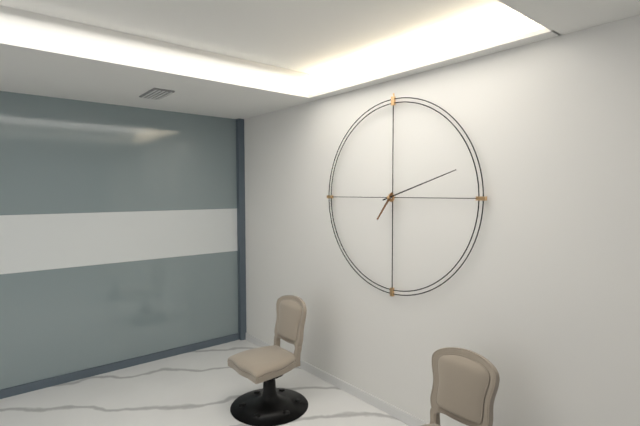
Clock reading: 7.12
